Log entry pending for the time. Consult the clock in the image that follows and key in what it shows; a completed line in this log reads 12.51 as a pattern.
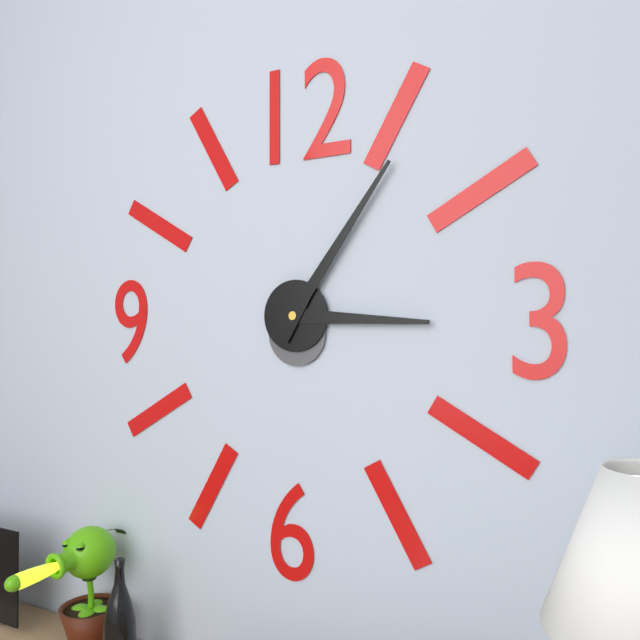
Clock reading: 3.06
